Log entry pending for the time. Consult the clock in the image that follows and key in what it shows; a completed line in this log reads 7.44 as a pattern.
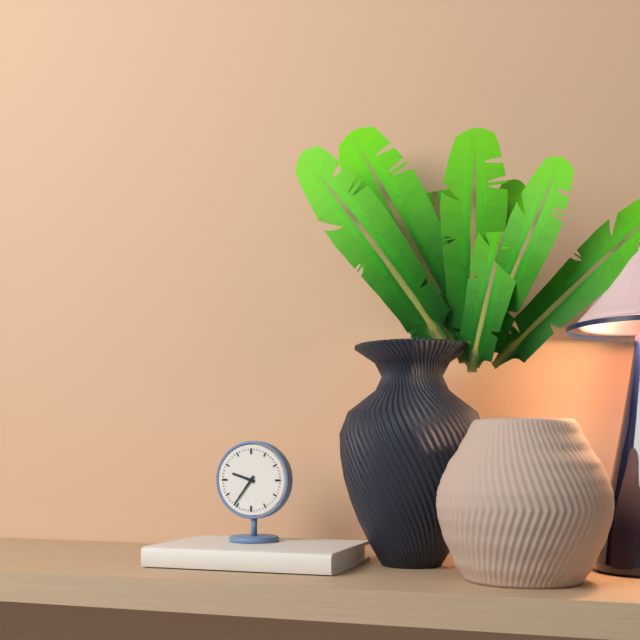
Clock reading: 9.36
